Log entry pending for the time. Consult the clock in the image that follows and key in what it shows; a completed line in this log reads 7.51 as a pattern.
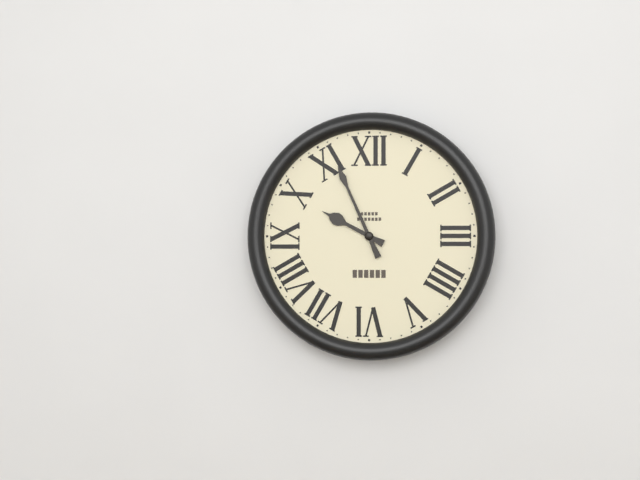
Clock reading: 9.56
